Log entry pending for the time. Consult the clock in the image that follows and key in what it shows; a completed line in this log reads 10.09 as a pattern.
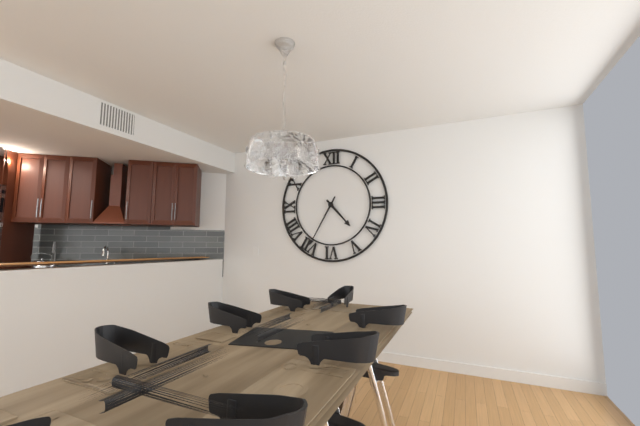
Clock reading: 4.35
